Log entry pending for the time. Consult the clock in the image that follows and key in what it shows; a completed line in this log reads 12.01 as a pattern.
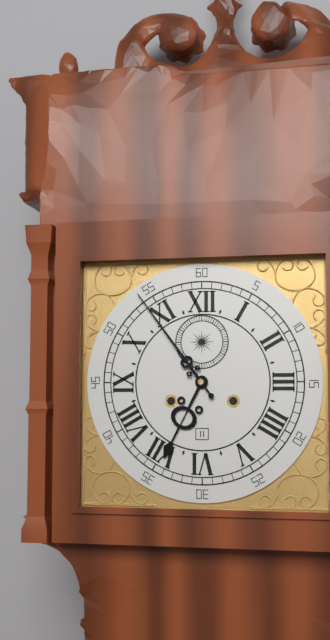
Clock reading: 6.54
